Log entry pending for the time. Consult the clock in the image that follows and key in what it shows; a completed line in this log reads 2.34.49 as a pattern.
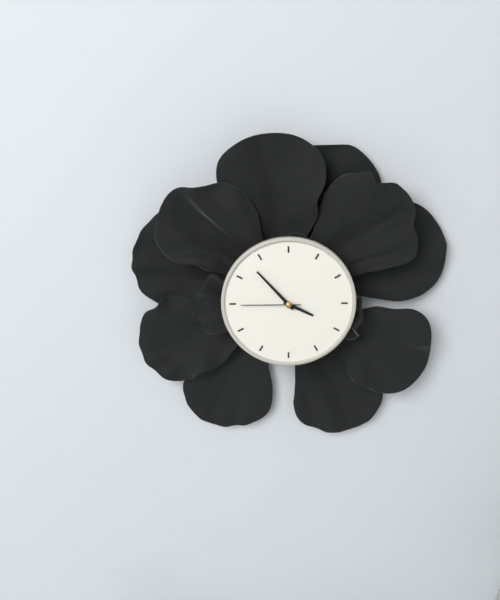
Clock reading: 3.53.45
